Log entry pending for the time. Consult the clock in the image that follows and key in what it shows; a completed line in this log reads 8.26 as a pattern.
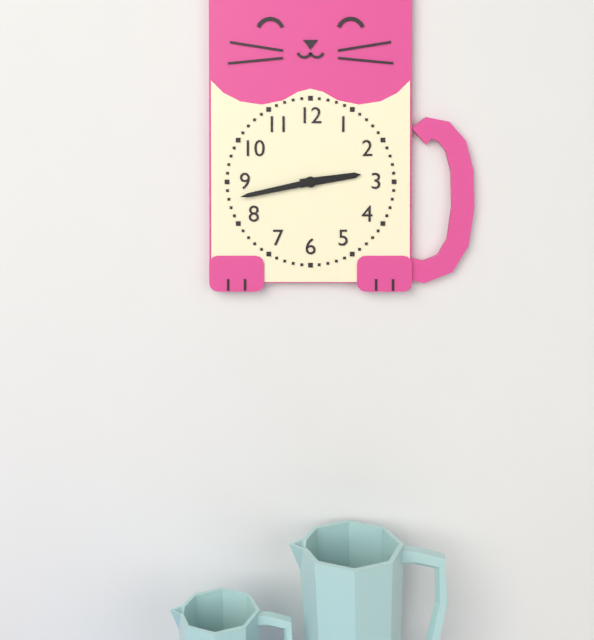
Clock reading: 2.43
